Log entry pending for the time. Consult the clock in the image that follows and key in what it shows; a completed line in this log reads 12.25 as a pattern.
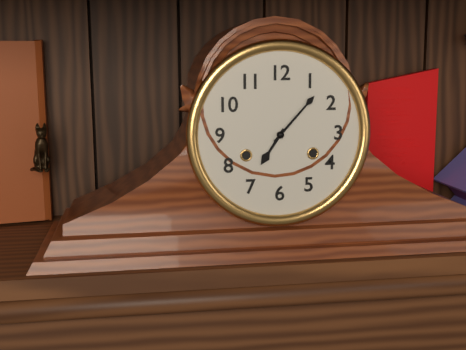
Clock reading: 7.07
